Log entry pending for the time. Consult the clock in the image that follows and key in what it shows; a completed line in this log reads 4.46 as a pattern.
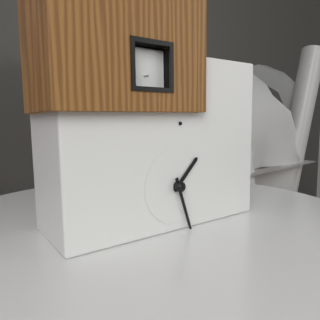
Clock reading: 1.27
